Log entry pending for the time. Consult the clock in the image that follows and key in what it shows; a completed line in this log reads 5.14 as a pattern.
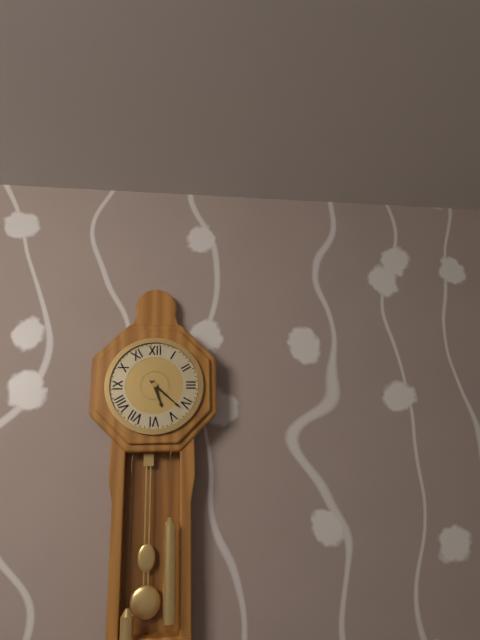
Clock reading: 5.22
